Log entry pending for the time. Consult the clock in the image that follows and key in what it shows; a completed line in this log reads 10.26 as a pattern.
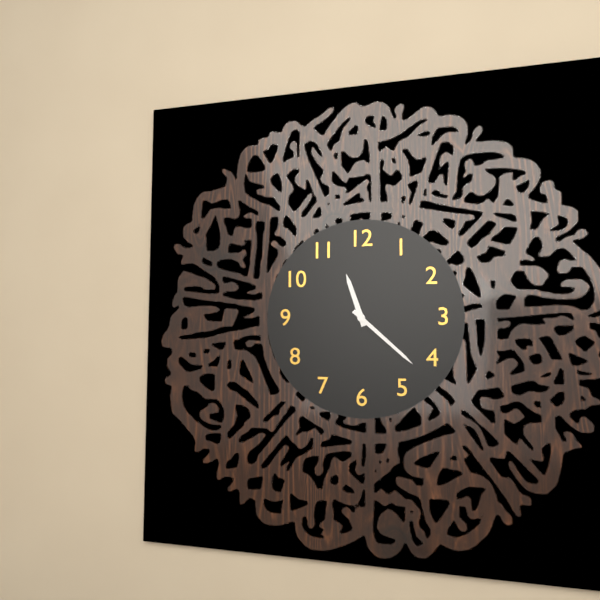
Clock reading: 11.22
